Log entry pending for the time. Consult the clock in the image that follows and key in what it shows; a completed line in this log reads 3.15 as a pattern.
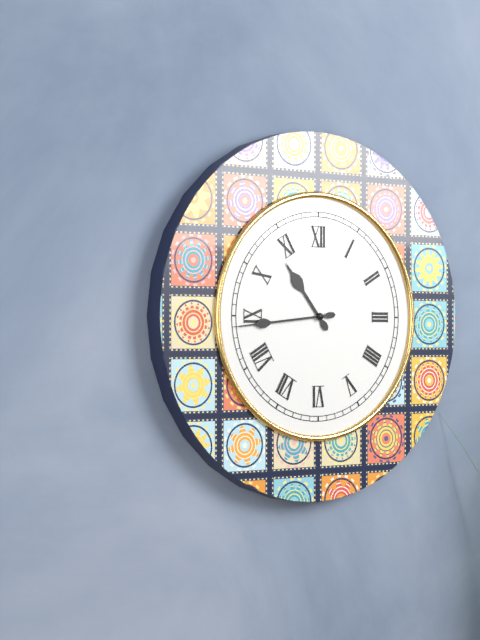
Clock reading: 10.44
